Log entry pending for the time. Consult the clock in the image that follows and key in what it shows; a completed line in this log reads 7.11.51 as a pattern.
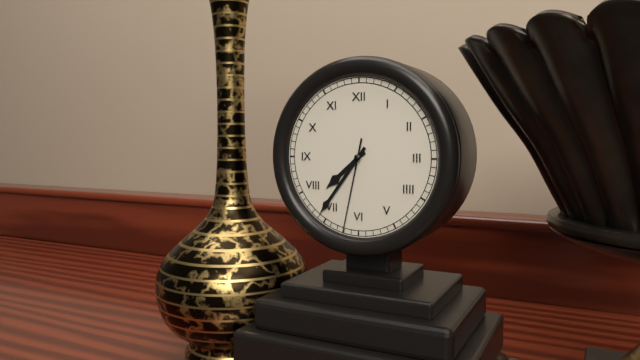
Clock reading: 7.36.32
